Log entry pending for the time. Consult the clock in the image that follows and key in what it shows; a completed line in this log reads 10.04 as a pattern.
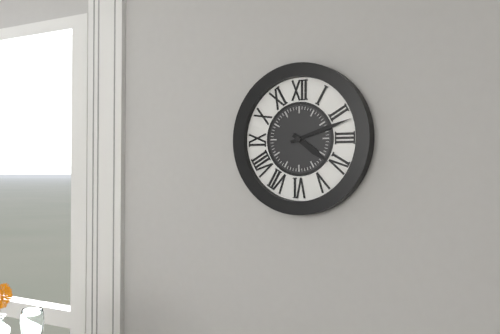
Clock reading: 4.12
